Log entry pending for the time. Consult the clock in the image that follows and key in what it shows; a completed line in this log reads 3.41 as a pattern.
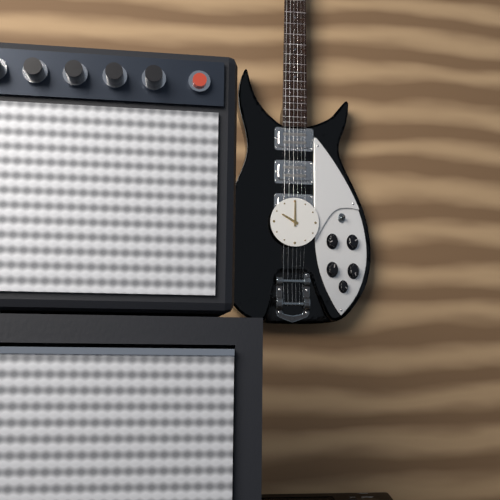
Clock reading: 10.00
